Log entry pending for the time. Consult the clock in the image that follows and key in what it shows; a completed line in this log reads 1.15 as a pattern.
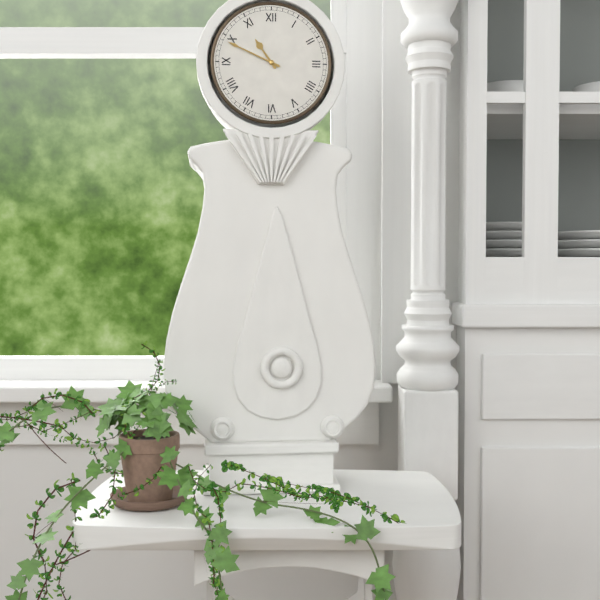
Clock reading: 10.49
